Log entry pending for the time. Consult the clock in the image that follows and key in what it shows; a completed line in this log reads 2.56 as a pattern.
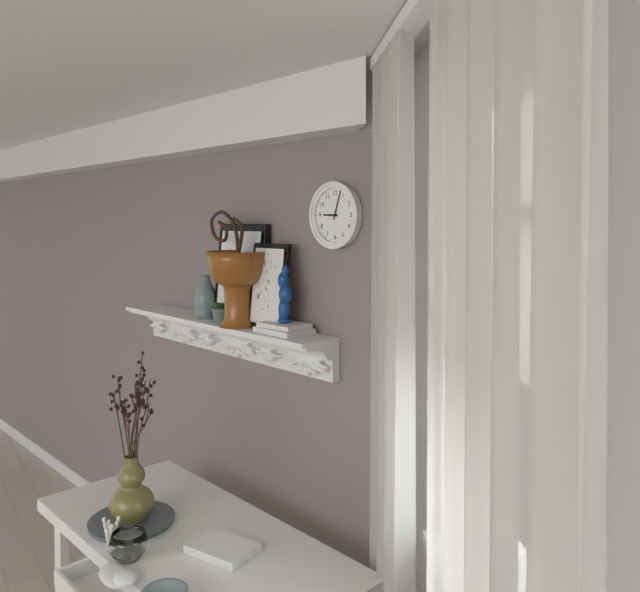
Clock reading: 9.03
